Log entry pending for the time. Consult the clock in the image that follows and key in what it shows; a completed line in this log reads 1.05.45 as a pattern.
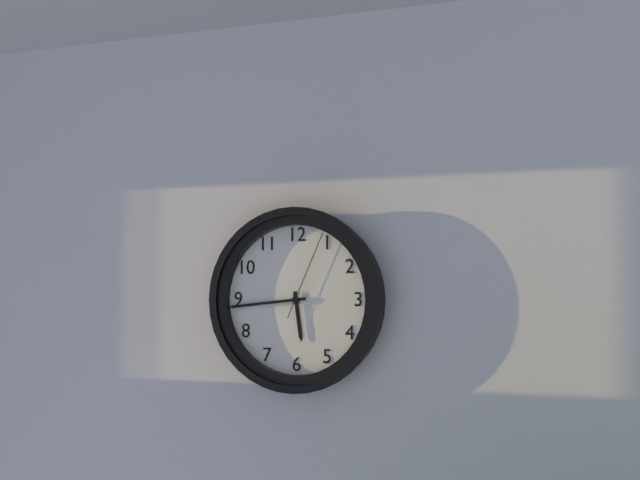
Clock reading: 5.44.04
